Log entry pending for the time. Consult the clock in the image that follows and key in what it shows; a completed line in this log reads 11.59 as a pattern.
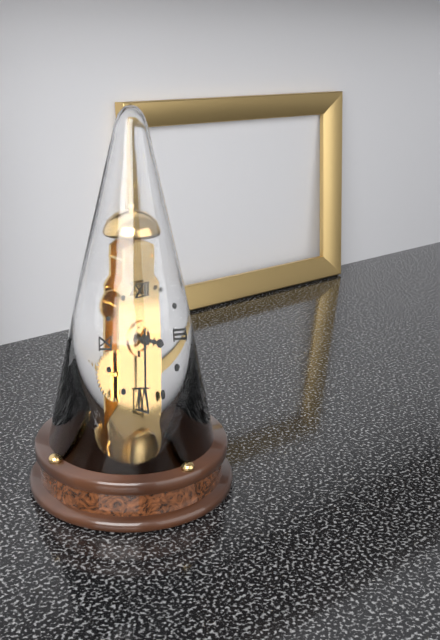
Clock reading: 3.30
